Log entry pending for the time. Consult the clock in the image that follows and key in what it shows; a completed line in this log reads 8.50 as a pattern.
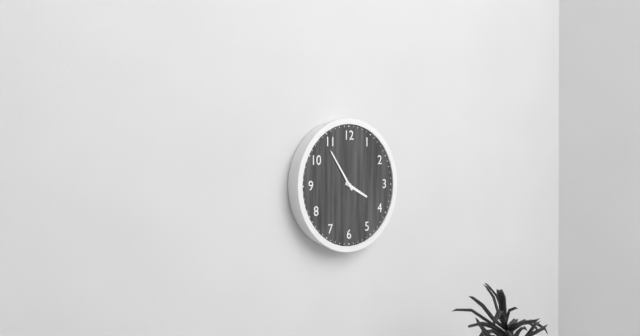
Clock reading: 3.54
